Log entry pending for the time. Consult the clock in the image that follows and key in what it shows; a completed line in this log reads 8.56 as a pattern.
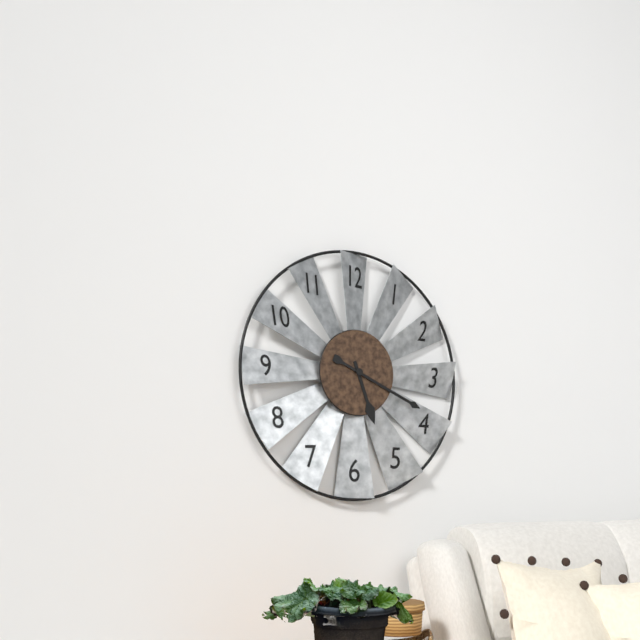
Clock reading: 5.19
